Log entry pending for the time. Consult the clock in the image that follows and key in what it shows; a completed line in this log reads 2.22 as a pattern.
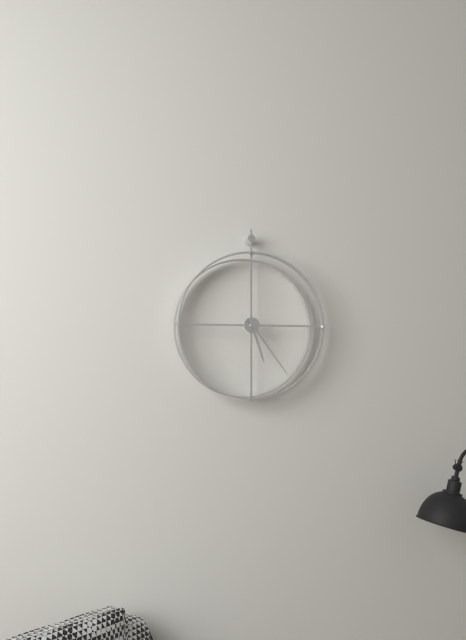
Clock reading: 5.24
